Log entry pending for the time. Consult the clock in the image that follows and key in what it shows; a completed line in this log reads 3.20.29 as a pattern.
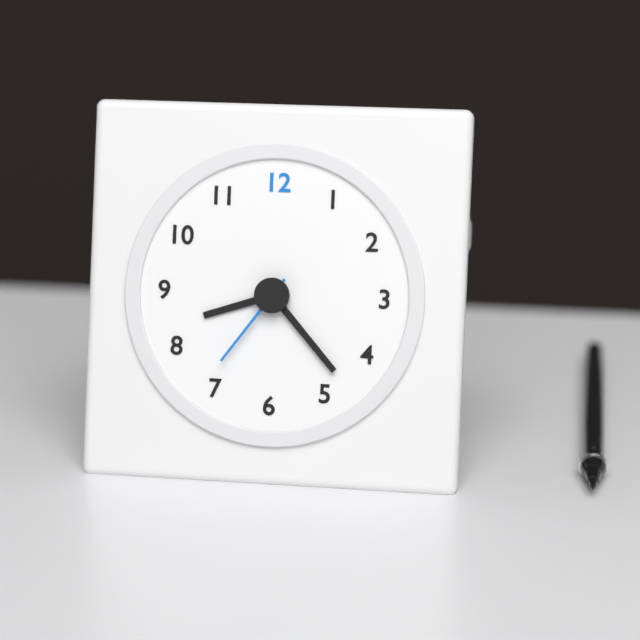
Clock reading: 8.23.36
